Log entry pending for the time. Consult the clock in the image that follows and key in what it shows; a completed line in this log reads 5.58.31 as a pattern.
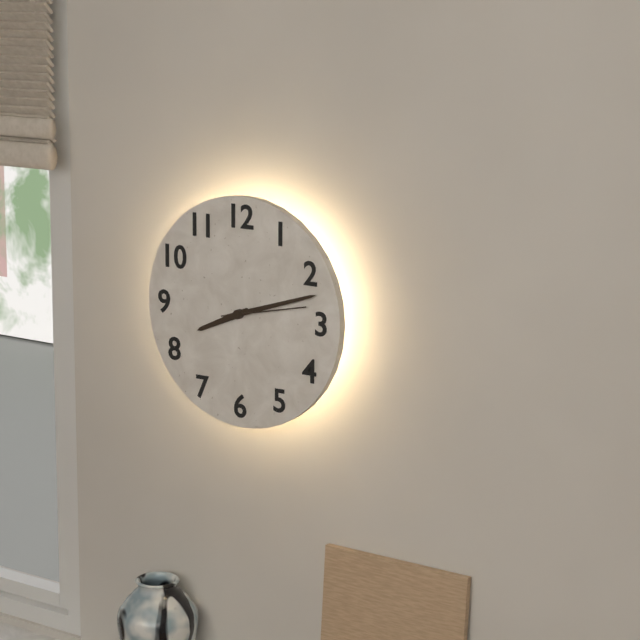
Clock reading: 8.12.13
